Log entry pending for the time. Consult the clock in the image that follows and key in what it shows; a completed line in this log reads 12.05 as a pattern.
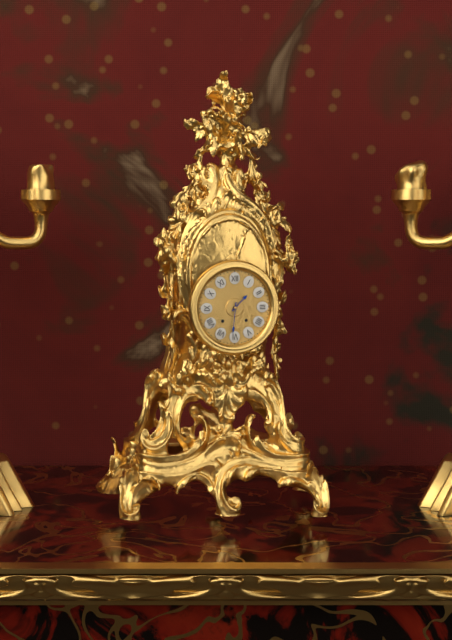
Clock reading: 1.31
